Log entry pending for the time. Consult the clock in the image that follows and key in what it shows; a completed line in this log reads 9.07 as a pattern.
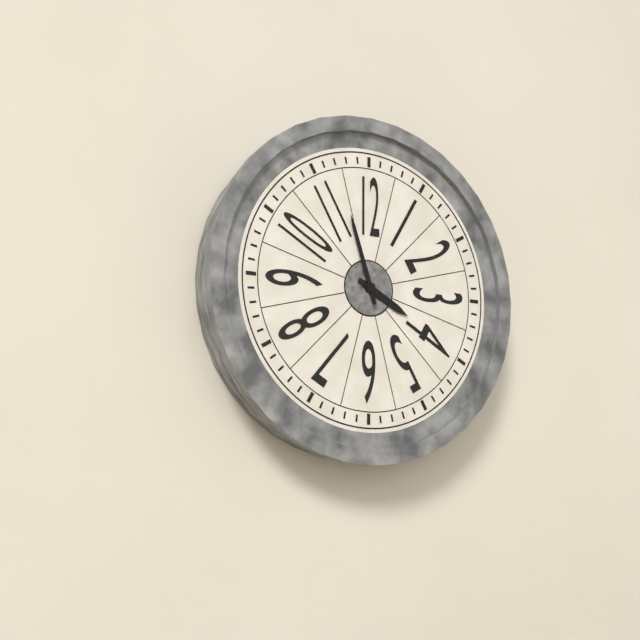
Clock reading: 3.57
